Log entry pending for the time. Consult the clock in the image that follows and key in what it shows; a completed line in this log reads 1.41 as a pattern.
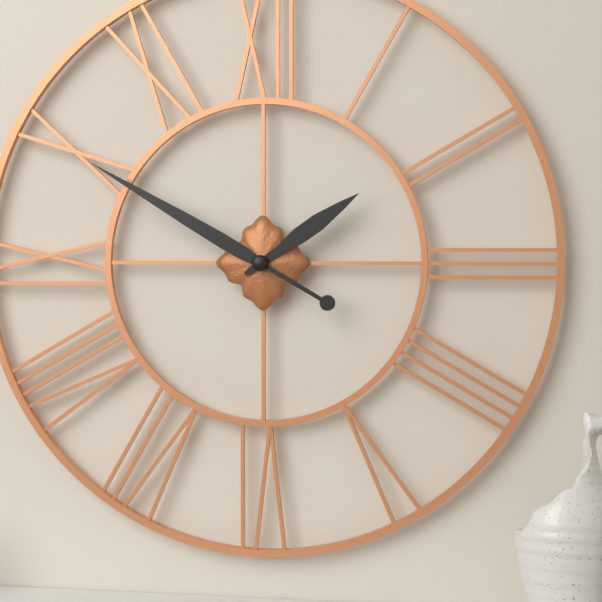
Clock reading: 1.50
